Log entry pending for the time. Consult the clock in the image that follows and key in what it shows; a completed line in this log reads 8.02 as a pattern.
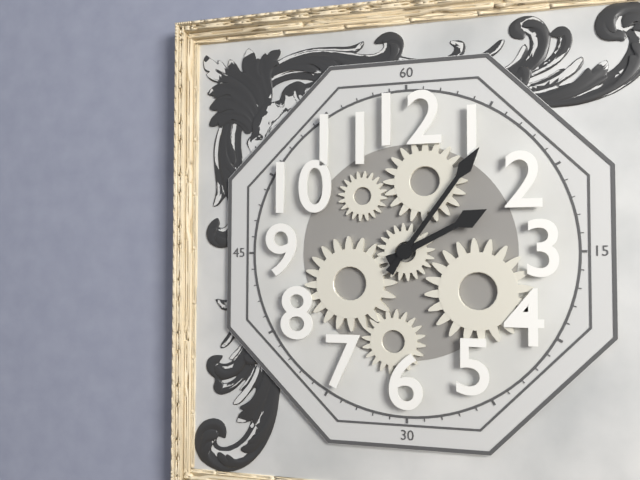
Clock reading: 2.06
